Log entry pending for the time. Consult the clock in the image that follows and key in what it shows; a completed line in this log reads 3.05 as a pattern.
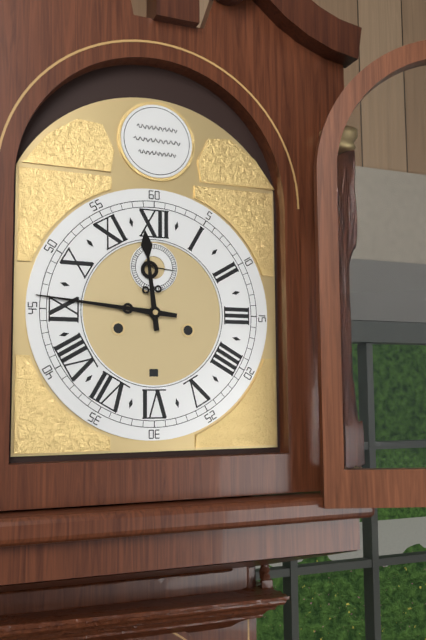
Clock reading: 11.46
